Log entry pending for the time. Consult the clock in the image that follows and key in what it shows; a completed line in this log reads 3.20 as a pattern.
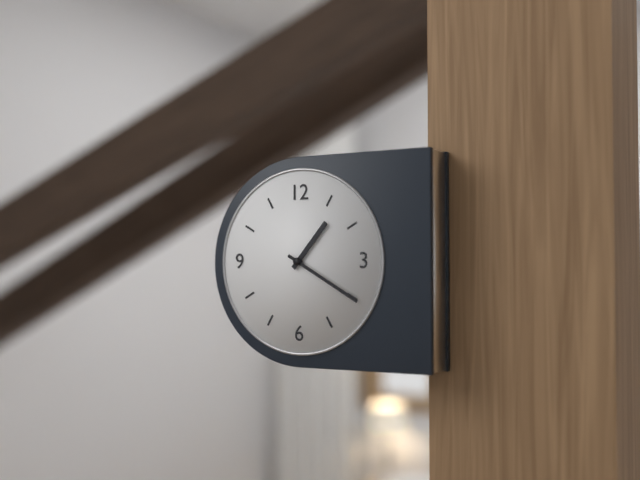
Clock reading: 1.20
